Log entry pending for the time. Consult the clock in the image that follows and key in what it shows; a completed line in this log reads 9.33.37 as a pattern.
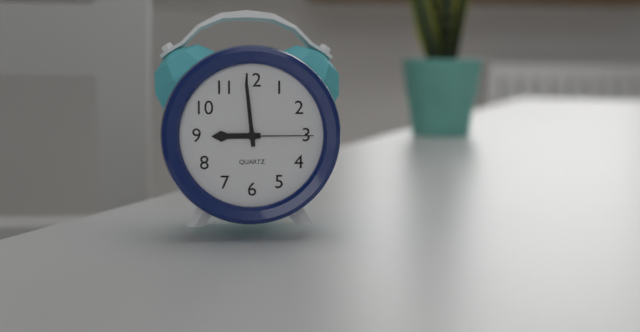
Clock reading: 8.59.15
